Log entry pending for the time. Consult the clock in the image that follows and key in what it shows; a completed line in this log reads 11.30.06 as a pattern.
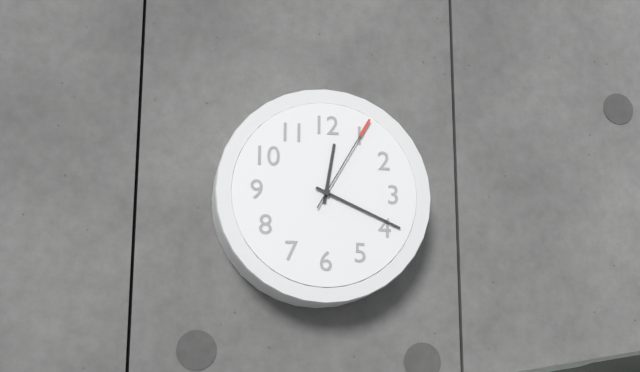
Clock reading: 12.19.05
